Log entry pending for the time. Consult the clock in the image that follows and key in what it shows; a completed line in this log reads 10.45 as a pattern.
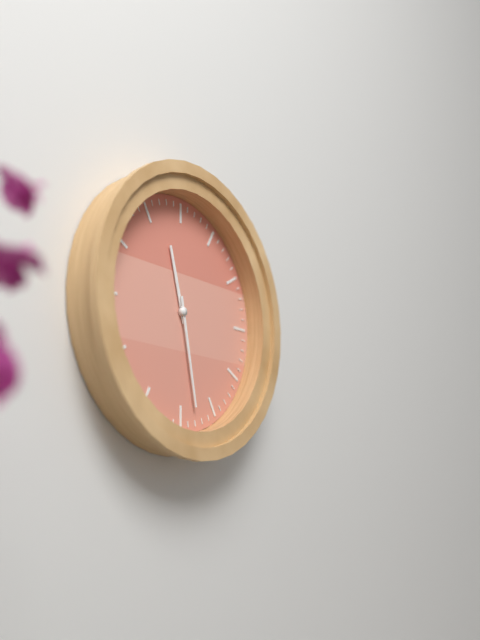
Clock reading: 11.28
